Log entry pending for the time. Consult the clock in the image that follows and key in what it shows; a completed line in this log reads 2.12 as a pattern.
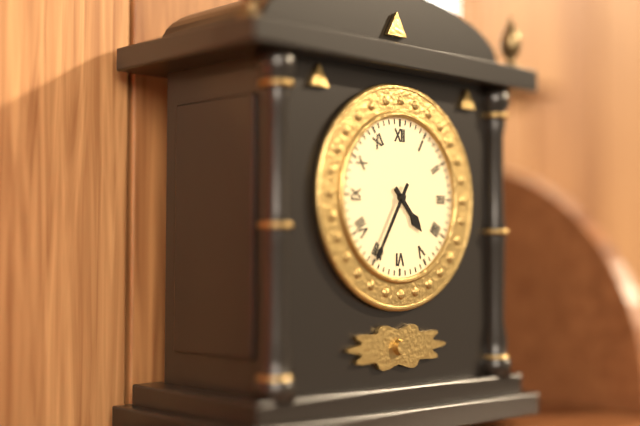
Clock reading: 4.35
